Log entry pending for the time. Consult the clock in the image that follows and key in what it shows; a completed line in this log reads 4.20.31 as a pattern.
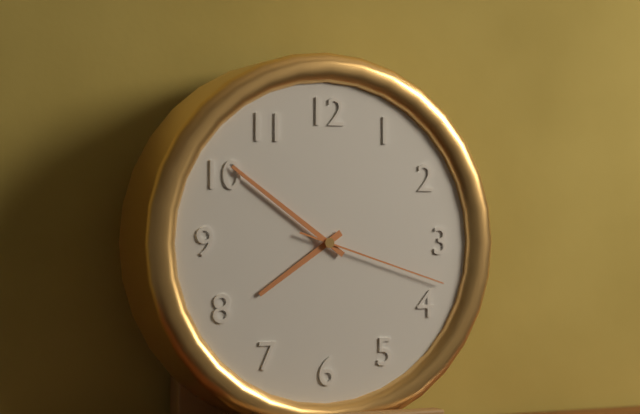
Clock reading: 7.51.18
